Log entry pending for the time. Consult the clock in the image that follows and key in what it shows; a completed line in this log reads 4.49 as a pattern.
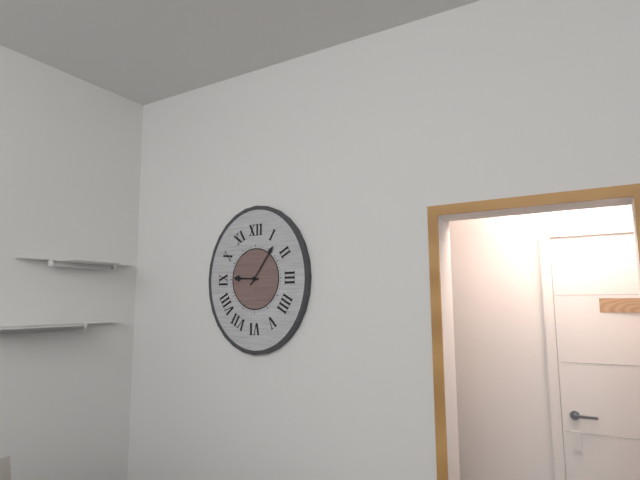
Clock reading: 9.06
